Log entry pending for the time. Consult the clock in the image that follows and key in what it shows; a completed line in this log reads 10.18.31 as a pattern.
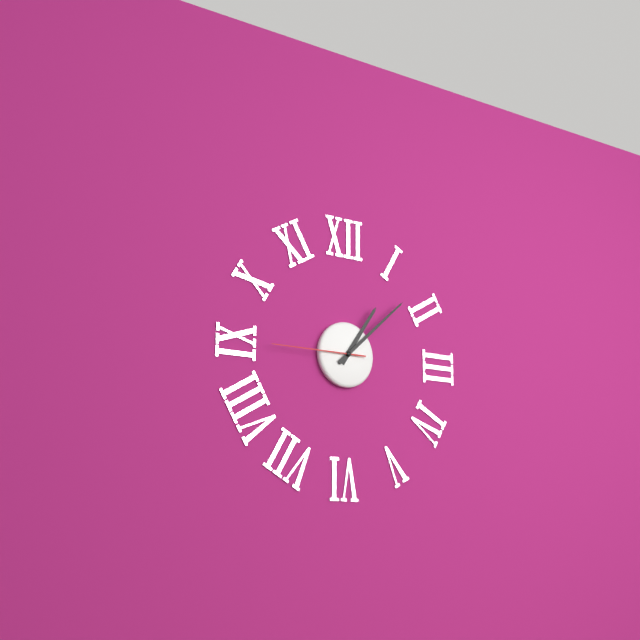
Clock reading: 1.08.45
